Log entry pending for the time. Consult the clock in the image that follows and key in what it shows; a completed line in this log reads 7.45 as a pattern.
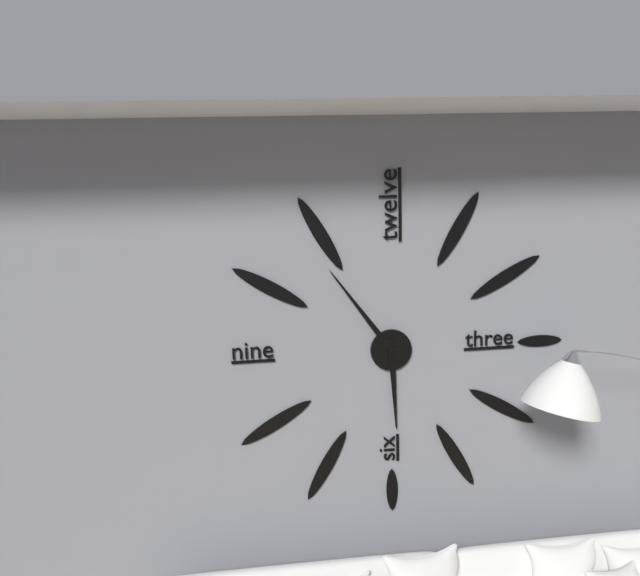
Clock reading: 5.54
